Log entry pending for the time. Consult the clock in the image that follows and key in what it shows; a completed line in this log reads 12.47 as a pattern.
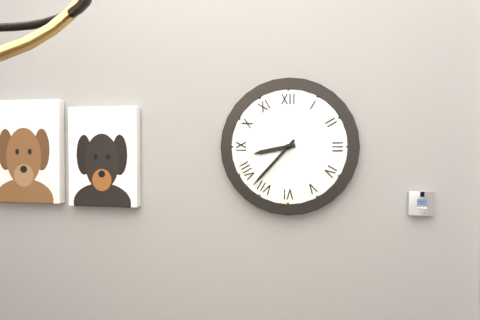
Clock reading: 8.37
